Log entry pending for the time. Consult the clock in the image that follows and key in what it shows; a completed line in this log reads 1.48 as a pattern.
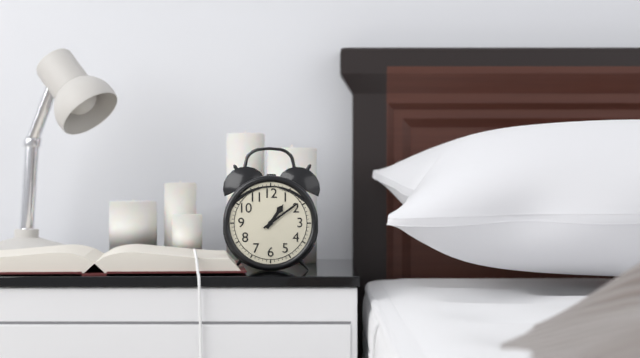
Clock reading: 1.09
